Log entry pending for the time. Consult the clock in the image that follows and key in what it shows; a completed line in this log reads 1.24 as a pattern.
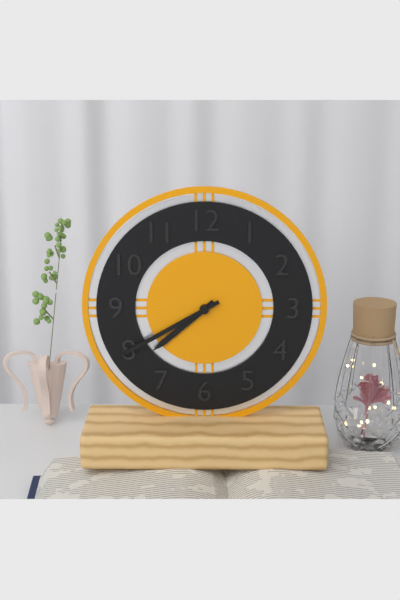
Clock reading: 7.40
